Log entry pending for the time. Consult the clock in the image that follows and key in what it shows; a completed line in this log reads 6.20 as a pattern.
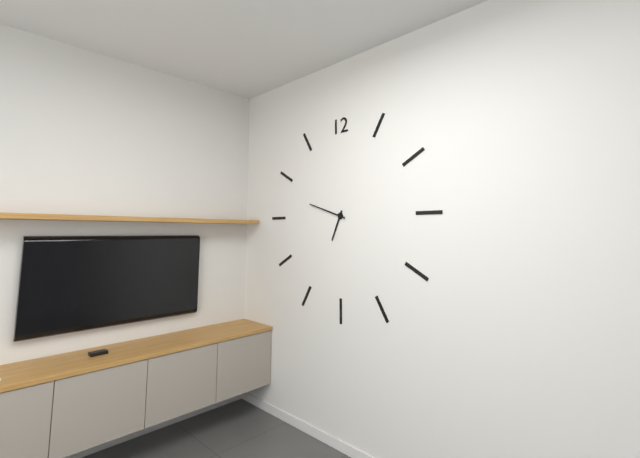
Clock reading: 6.48
